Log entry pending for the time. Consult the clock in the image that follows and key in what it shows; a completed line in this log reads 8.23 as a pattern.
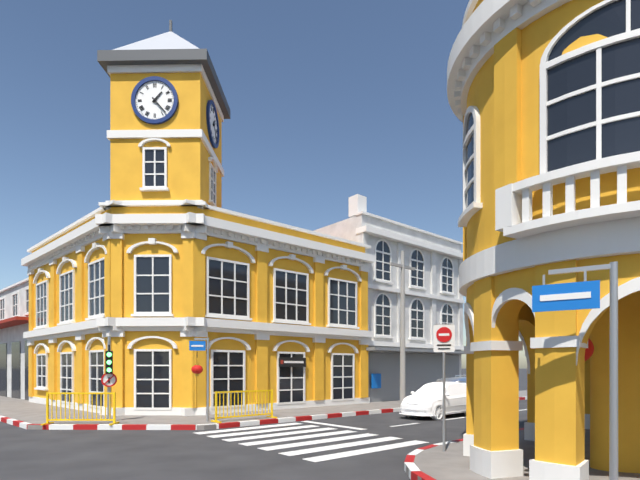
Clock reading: 1.23
